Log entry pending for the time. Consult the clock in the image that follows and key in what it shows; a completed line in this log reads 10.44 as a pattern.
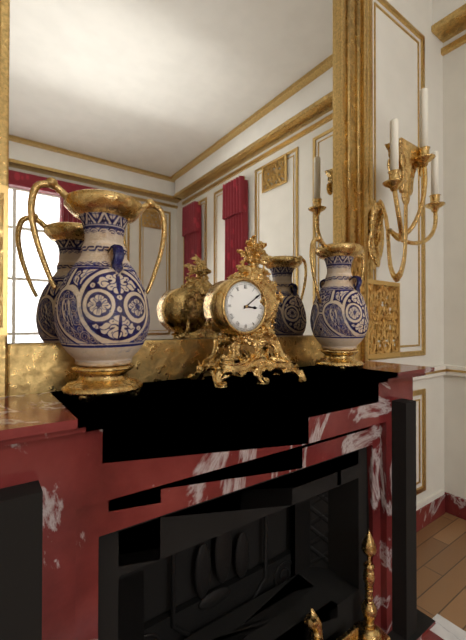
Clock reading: 3.09
